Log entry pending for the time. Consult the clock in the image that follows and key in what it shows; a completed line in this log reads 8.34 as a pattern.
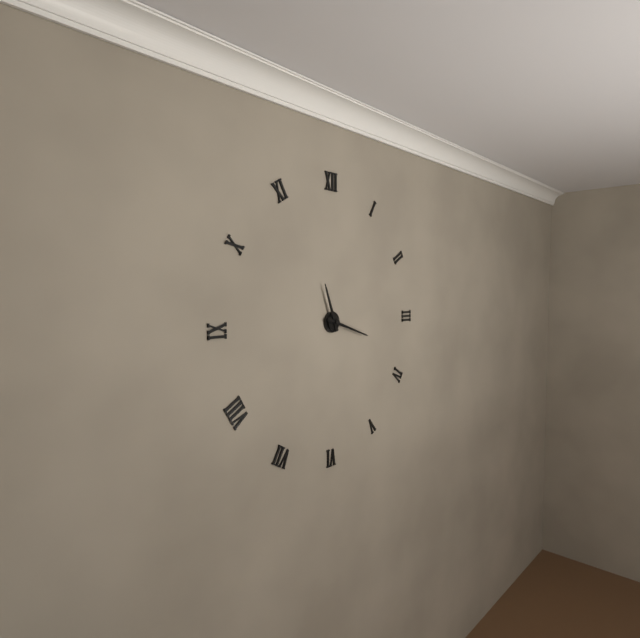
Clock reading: 11.18
